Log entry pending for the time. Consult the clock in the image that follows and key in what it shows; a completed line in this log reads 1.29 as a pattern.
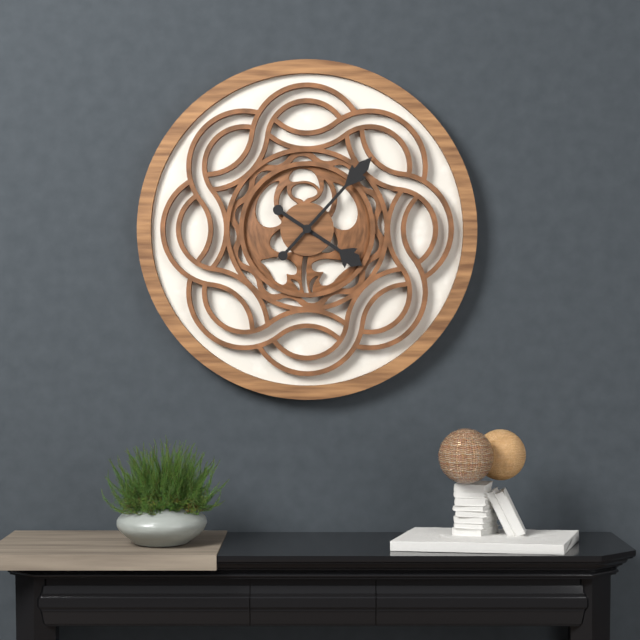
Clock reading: 4.07
